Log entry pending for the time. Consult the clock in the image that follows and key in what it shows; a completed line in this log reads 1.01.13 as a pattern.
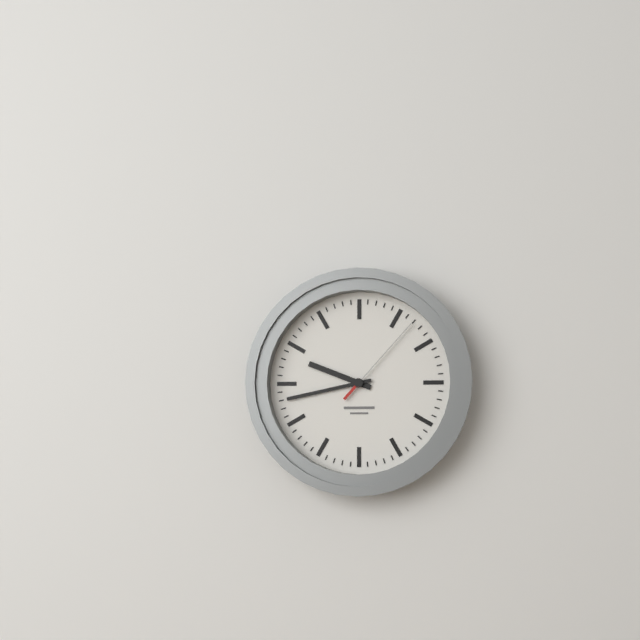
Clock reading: 9.43.07
